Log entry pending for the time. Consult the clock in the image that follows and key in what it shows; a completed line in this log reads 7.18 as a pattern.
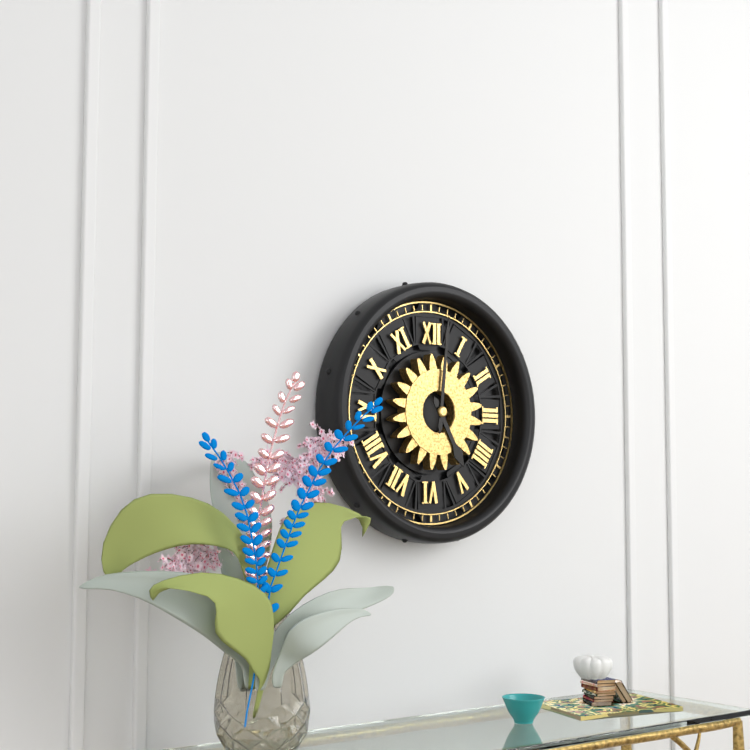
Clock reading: 5.01
